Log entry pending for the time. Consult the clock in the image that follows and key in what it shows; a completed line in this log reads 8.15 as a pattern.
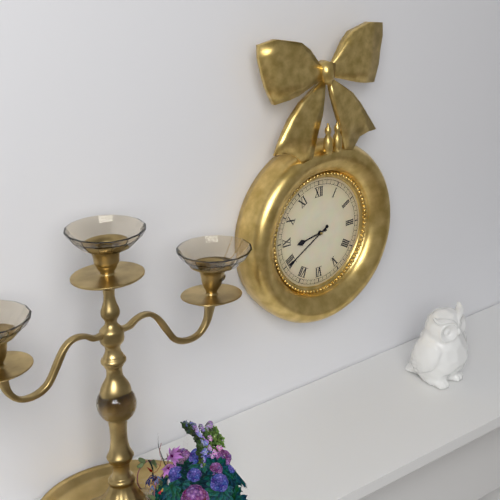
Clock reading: 8.40
